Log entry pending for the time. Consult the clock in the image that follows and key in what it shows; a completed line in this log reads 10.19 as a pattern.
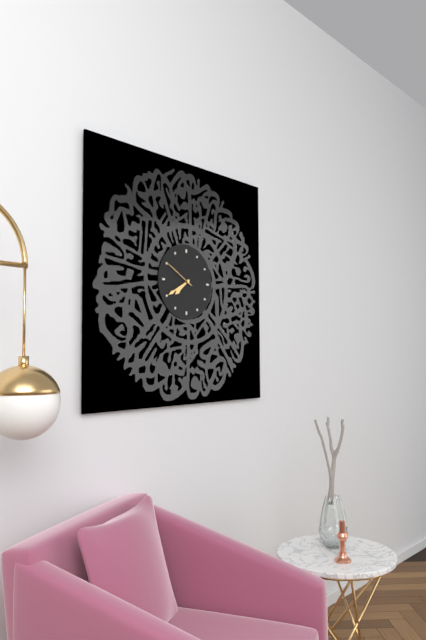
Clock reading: 7.40
